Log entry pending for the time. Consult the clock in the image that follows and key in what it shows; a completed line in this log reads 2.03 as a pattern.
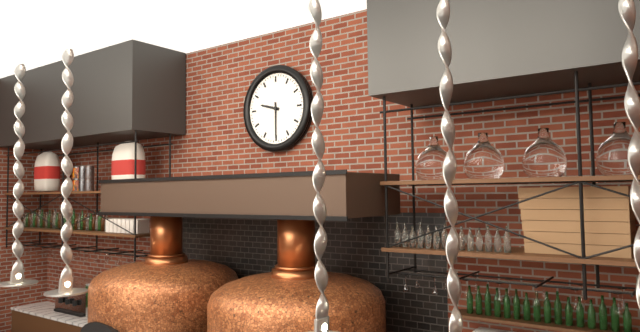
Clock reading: 9.30
